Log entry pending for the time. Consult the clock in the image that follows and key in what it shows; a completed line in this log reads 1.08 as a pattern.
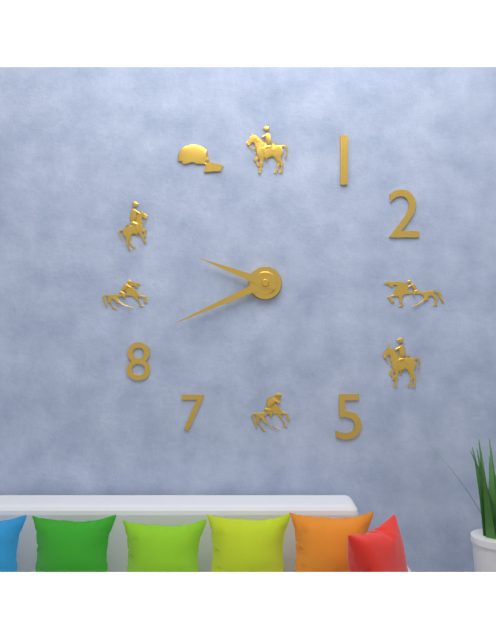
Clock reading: 9.41
